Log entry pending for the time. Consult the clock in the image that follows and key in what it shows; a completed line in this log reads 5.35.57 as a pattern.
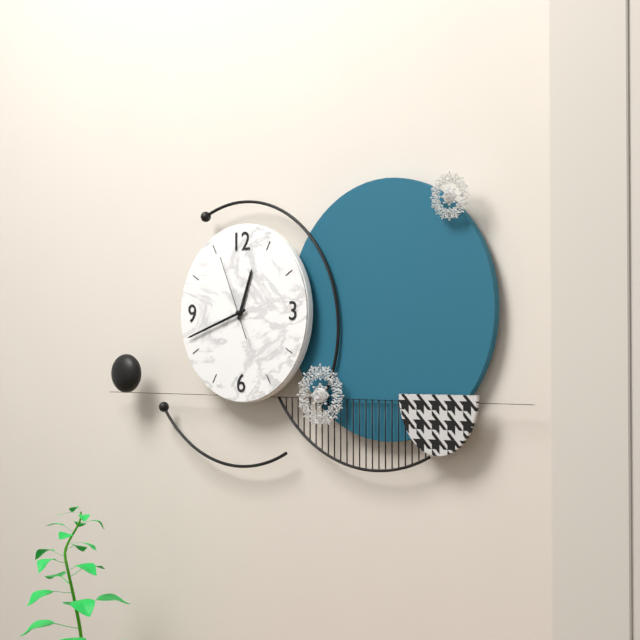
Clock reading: 12.42.56
